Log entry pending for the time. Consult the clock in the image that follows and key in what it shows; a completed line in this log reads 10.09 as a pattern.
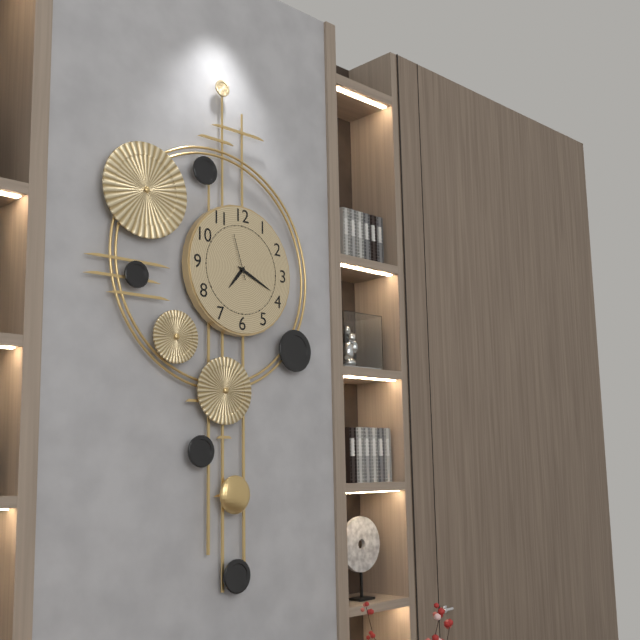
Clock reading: 7.19
